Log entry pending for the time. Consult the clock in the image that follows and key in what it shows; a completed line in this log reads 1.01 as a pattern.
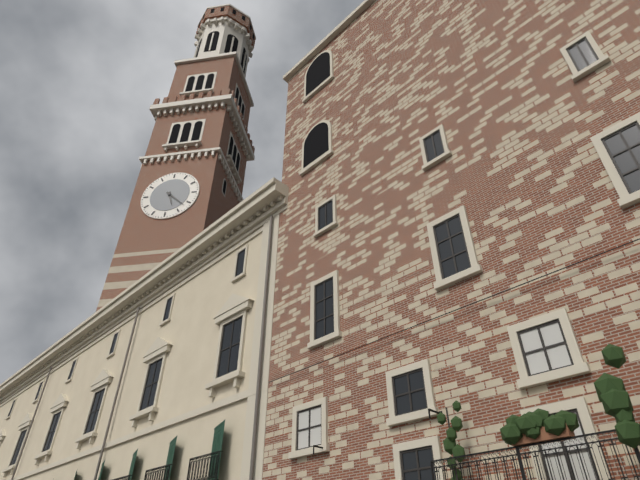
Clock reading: 5.22
